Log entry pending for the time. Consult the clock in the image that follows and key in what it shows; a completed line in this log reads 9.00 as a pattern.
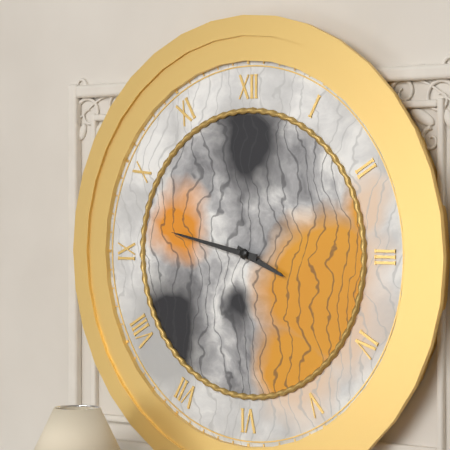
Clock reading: 3.47
